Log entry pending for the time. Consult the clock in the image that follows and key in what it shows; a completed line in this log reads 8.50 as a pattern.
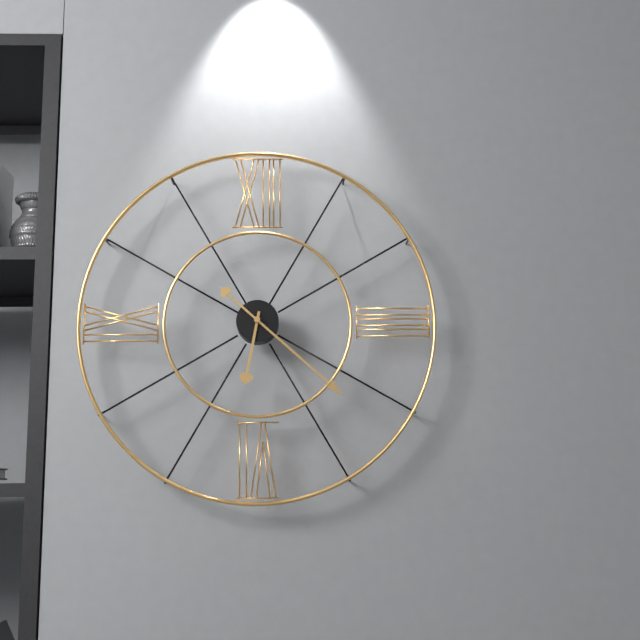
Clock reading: 6.22
